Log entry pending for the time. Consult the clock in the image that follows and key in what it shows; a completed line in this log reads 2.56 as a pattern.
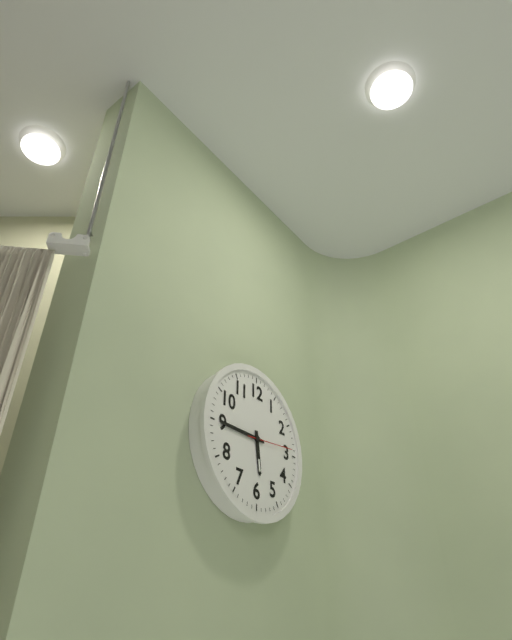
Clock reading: 5.45
